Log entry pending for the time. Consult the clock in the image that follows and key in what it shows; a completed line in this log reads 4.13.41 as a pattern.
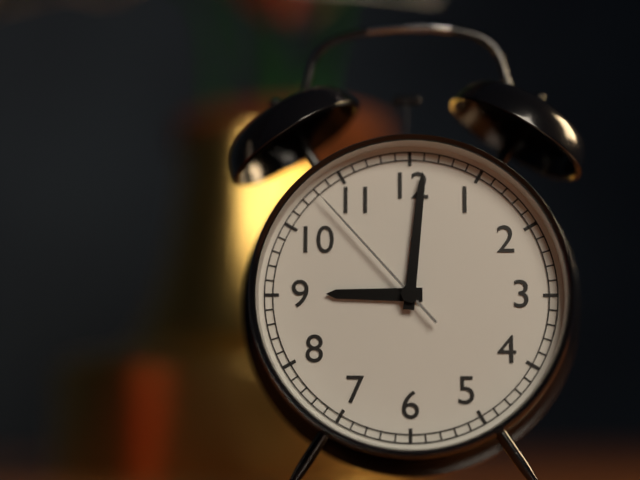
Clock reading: 9.01.53
